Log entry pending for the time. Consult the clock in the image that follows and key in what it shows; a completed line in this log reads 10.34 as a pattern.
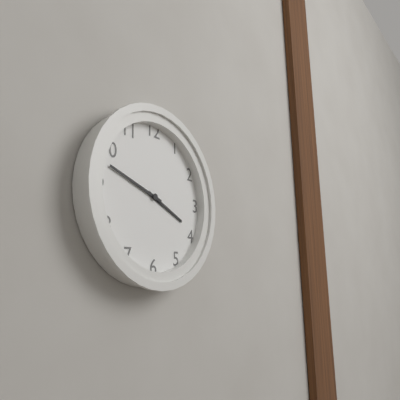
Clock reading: 3.48
